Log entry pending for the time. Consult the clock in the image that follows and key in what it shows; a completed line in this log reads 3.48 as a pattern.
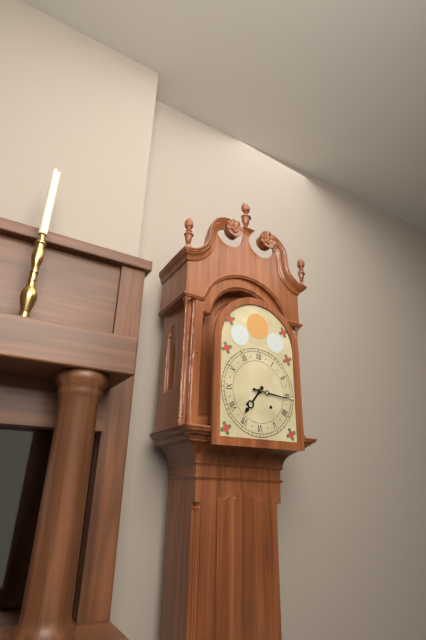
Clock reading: 7.16
